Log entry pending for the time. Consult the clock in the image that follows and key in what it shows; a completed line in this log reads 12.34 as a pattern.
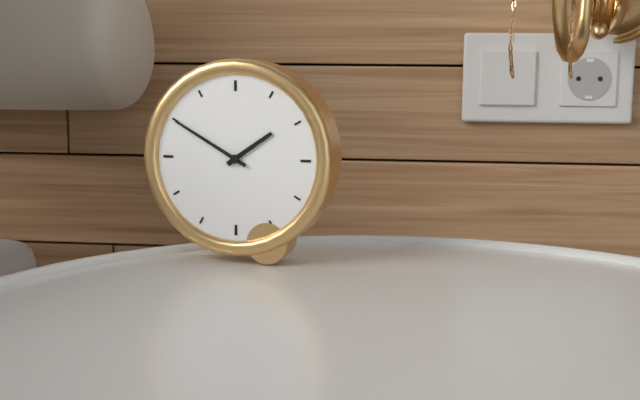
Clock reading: 1.50
